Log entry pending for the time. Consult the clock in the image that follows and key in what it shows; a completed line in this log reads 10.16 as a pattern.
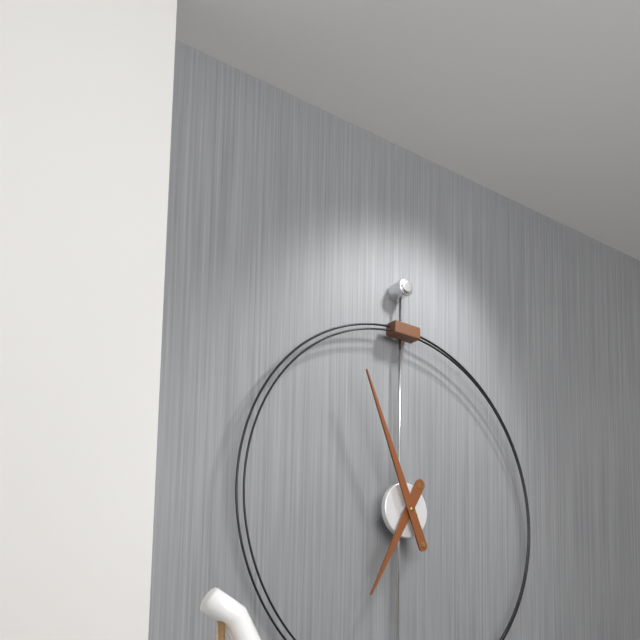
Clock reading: 6.56
